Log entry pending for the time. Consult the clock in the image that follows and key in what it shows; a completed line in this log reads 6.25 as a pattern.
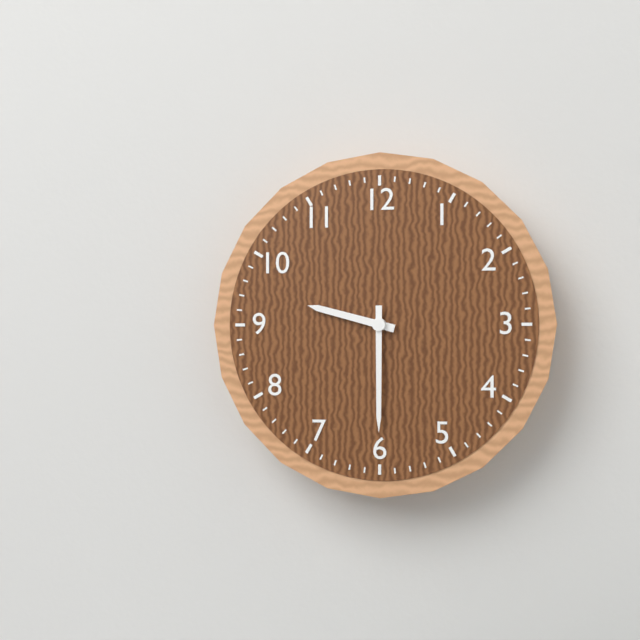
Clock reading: 9.30
